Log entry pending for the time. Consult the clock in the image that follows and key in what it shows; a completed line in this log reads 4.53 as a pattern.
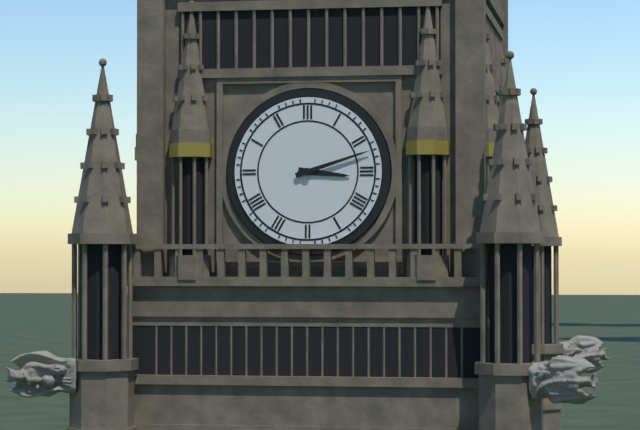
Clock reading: 3.12
